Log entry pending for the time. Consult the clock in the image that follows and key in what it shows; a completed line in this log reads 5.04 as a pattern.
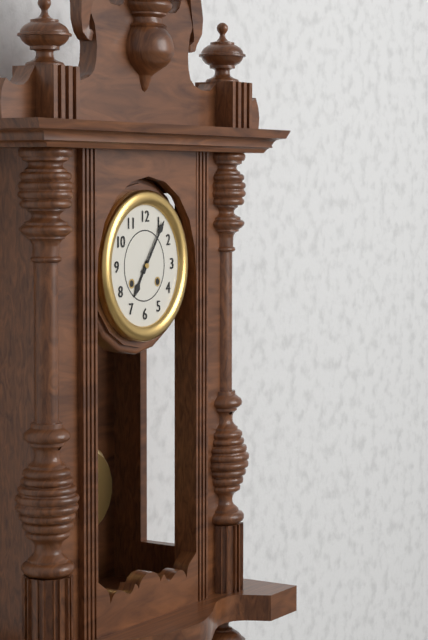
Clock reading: 7.06
